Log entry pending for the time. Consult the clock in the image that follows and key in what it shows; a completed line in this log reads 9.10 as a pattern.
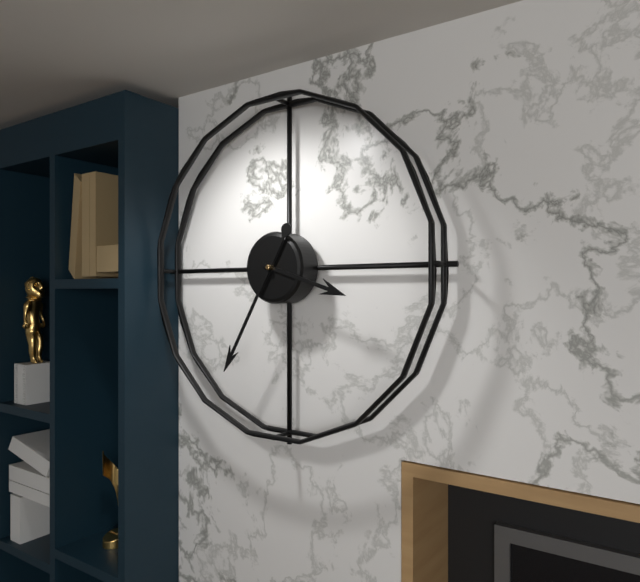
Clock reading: 3.35
